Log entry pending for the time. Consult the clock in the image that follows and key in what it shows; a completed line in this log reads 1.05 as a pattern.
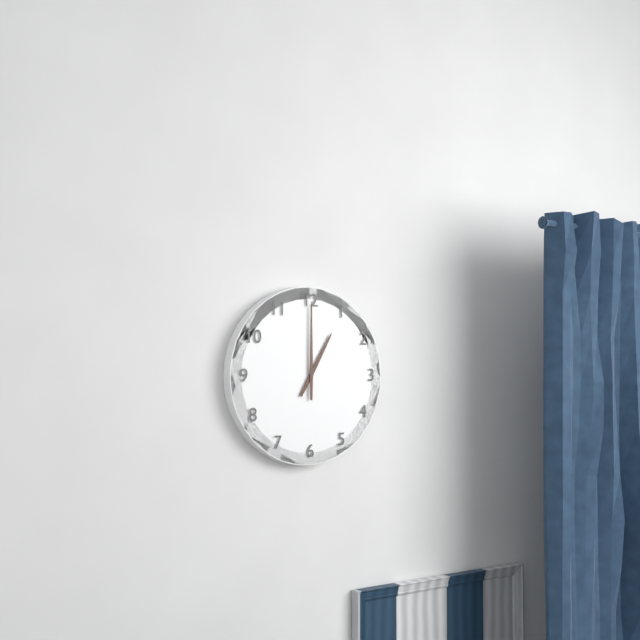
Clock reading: 1.00
